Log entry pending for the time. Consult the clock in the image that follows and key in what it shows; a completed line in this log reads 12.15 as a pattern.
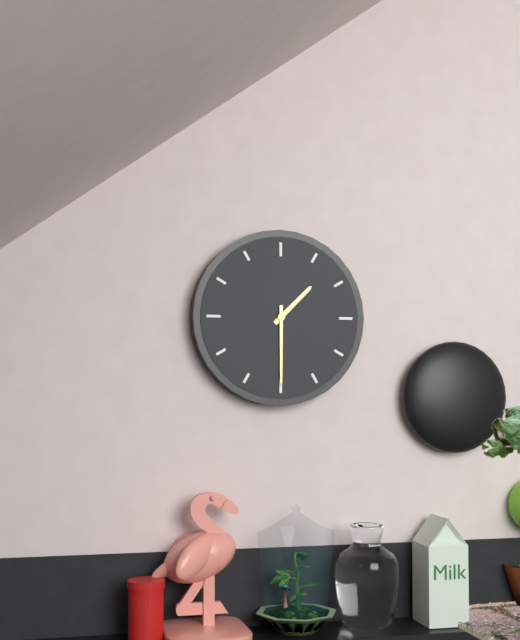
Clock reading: 1.30
